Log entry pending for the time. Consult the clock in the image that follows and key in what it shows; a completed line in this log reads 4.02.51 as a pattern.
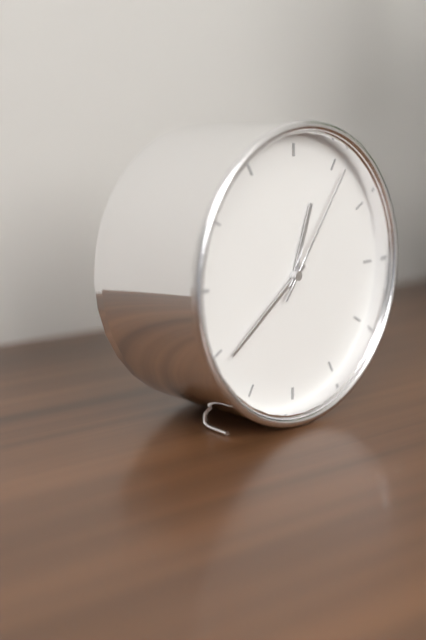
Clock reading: 12.39.06
